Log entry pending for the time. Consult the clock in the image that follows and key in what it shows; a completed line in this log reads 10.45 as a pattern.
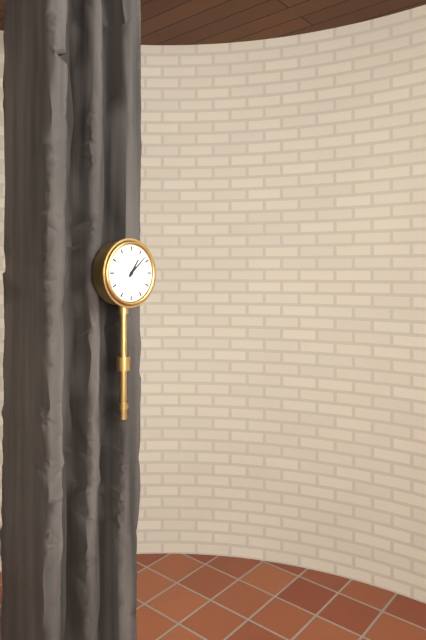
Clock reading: 1.08
